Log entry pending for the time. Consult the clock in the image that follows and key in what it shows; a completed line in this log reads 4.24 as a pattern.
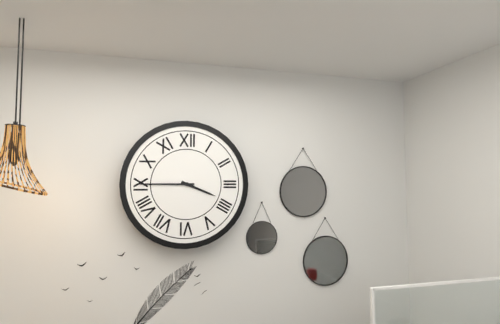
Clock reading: 3.45
